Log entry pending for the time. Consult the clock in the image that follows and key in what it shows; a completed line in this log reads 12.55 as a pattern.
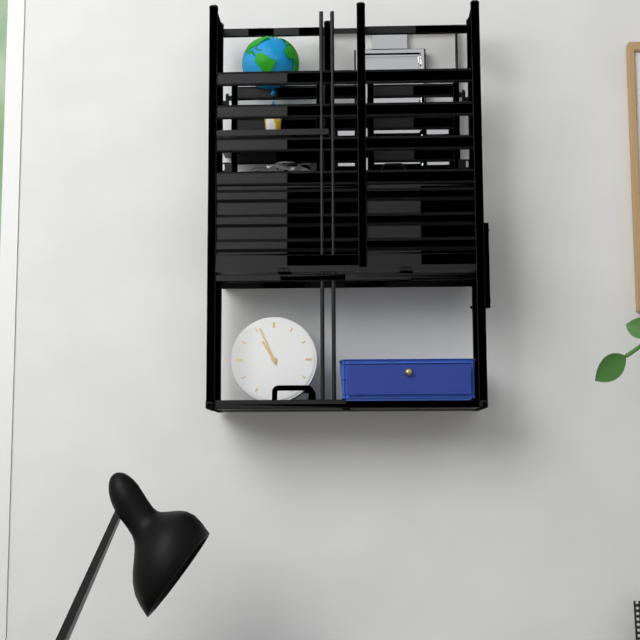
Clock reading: 10.56
